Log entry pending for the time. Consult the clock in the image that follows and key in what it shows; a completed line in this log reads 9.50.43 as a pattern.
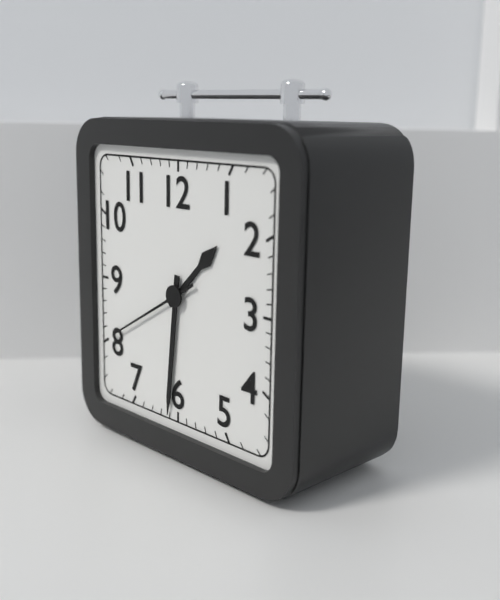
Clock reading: 1.31.40
